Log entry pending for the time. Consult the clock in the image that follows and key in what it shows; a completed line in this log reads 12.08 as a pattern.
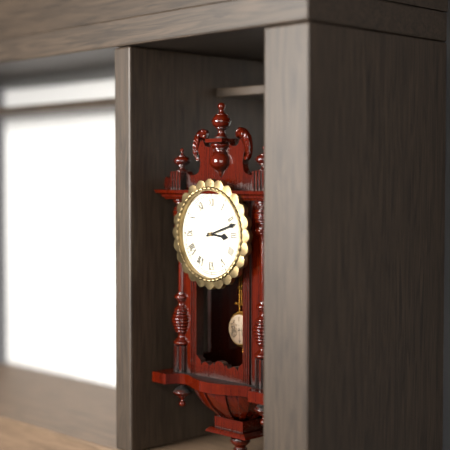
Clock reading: 3.12
